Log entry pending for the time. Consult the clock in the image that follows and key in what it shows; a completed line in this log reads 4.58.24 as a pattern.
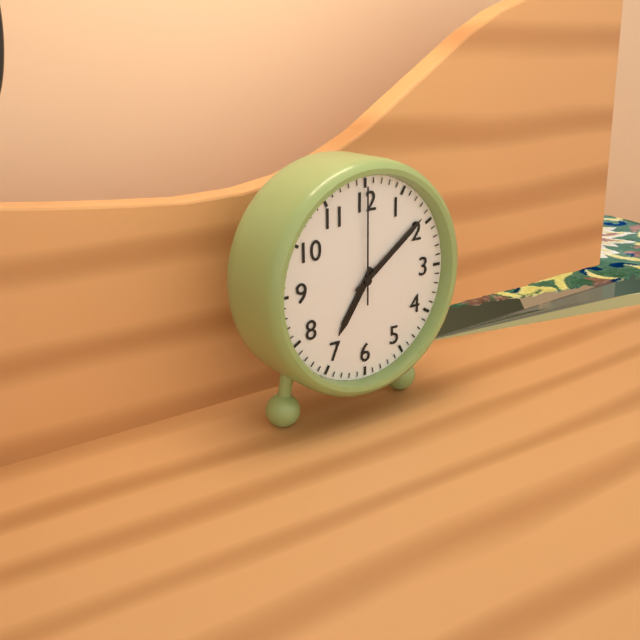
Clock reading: 7.09.00
